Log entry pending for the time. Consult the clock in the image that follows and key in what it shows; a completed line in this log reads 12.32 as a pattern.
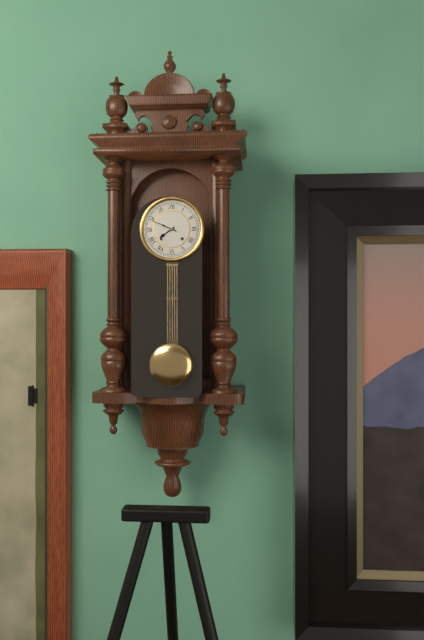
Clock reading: 7.49
